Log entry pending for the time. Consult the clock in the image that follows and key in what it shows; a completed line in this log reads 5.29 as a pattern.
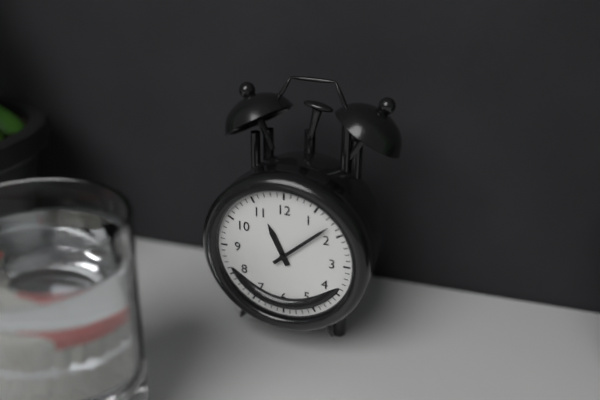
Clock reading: 11.08
